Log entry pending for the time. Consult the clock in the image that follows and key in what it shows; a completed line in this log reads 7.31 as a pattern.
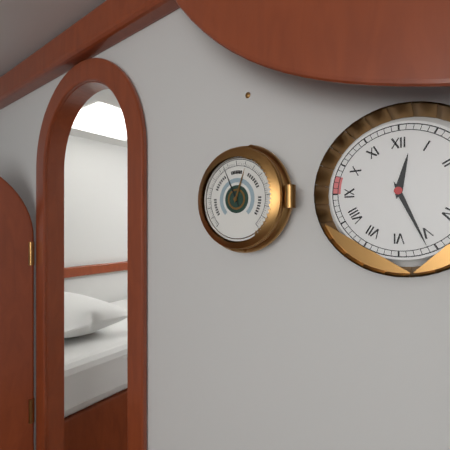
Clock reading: 12.26
